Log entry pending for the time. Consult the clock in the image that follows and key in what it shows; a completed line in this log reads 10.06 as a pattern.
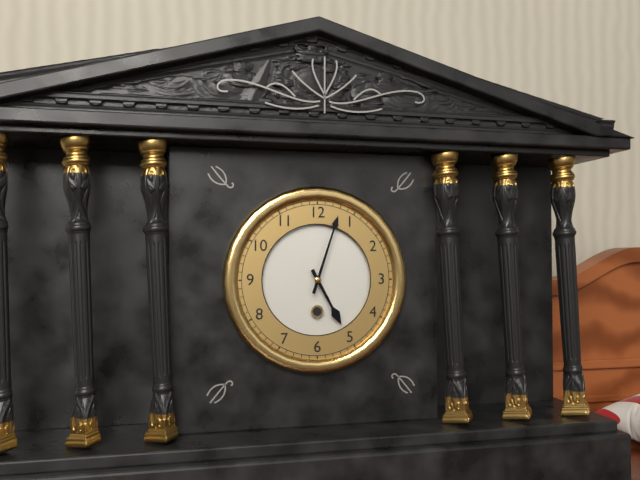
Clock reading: 5.03
